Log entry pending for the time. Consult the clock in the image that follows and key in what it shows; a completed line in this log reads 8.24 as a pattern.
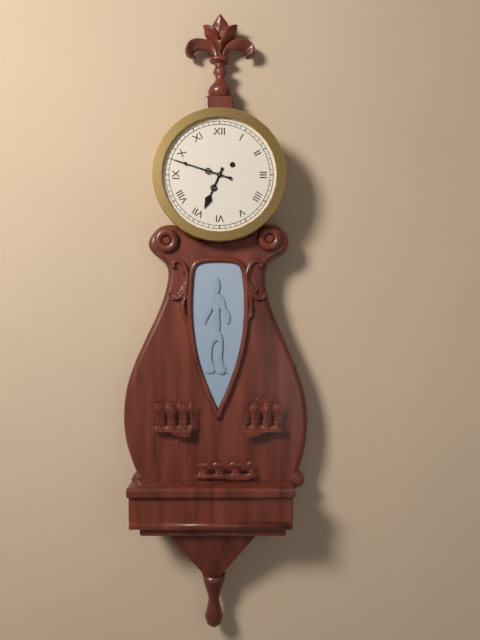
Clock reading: 6.48
